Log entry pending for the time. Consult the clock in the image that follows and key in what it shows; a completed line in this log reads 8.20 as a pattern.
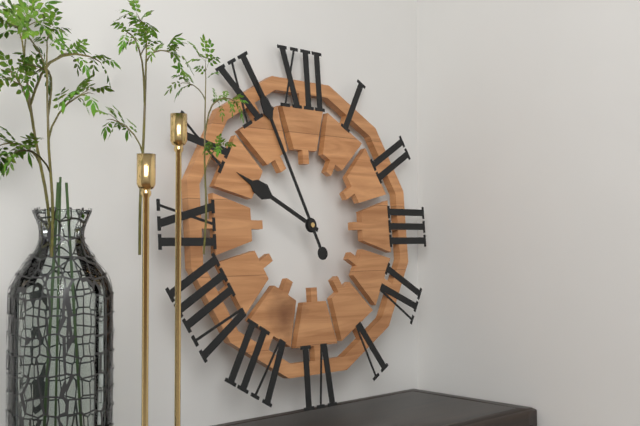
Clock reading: 9.56
